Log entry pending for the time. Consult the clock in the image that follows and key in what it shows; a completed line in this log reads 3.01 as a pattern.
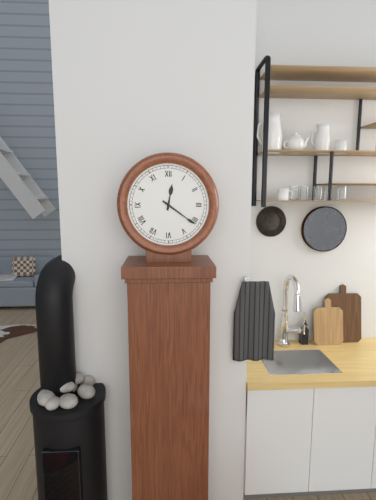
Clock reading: 12.21
